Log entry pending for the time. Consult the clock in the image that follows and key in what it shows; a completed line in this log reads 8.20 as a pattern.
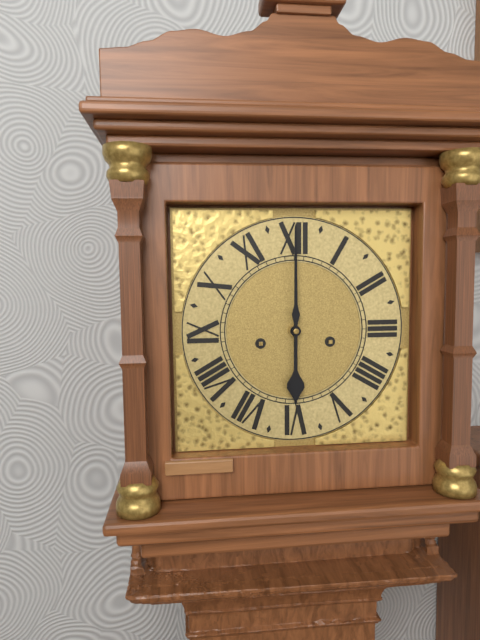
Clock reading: 6.00
